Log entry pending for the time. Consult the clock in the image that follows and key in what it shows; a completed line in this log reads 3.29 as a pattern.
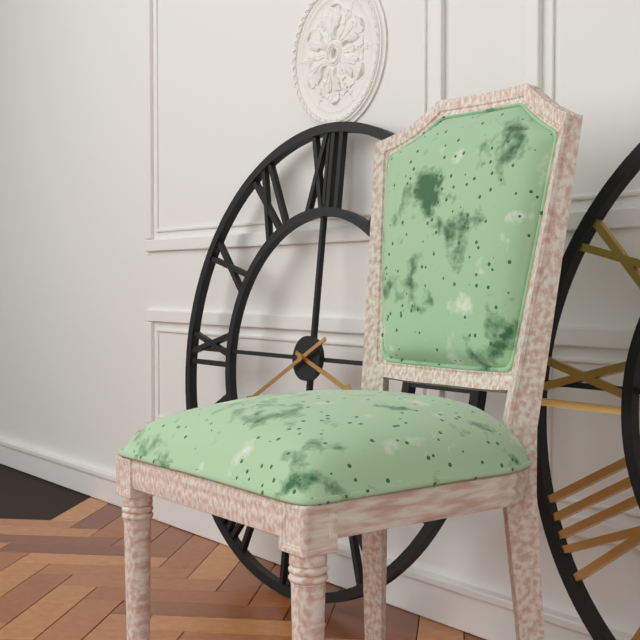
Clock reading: 3.40
